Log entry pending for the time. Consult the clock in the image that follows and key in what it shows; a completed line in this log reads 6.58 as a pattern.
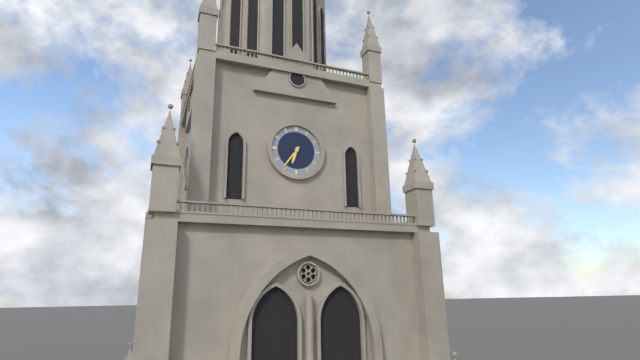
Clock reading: 6.36
